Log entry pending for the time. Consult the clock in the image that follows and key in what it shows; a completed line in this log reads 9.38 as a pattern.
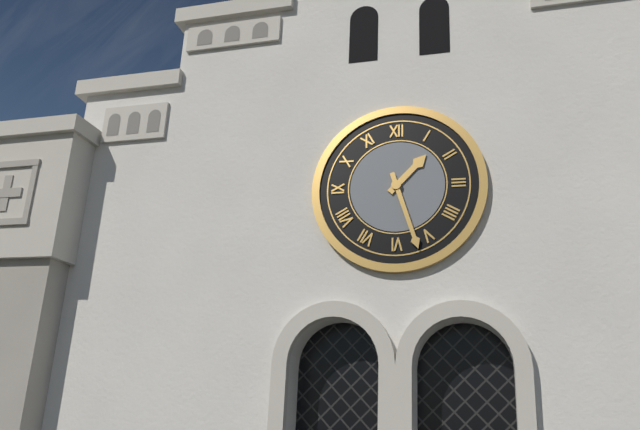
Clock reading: 1.27
